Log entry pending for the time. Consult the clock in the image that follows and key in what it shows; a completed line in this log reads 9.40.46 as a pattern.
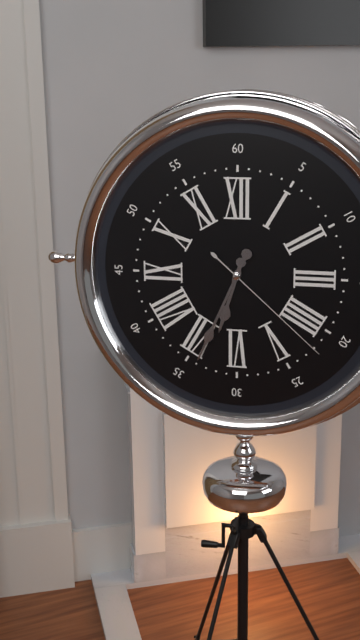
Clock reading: 6.34.22
